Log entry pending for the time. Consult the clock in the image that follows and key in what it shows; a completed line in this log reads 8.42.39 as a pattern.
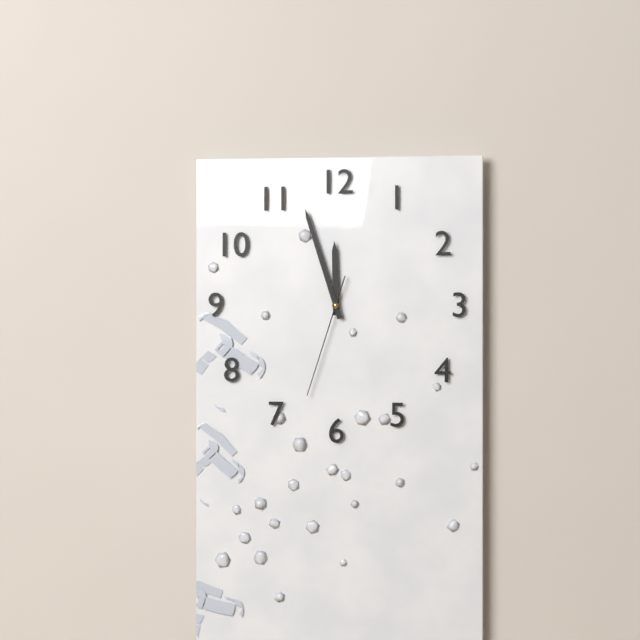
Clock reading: 11.57.33
